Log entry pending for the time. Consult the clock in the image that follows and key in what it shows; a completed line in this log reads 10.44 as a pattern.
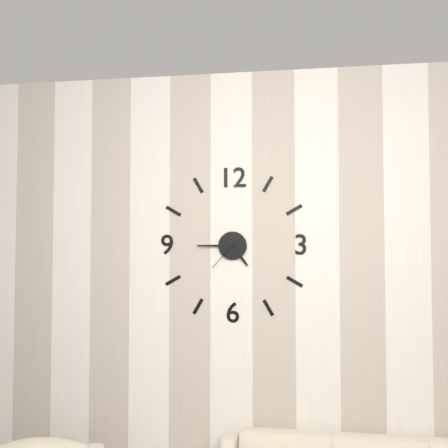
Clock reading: 4.45
